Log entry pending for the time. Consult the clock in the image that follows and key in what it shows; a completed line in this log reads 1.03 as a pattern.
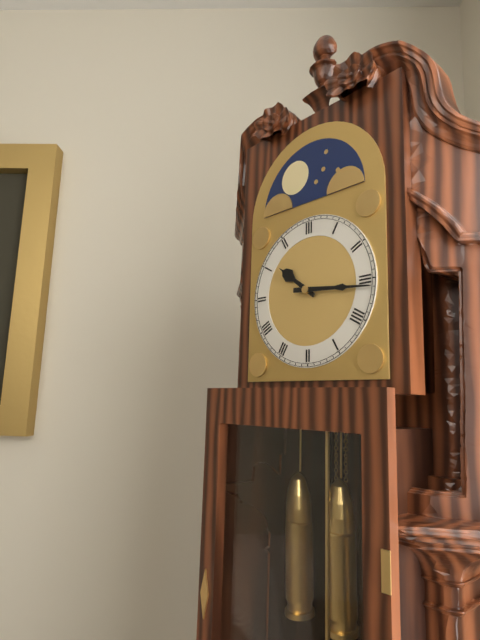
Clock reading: 10.16
